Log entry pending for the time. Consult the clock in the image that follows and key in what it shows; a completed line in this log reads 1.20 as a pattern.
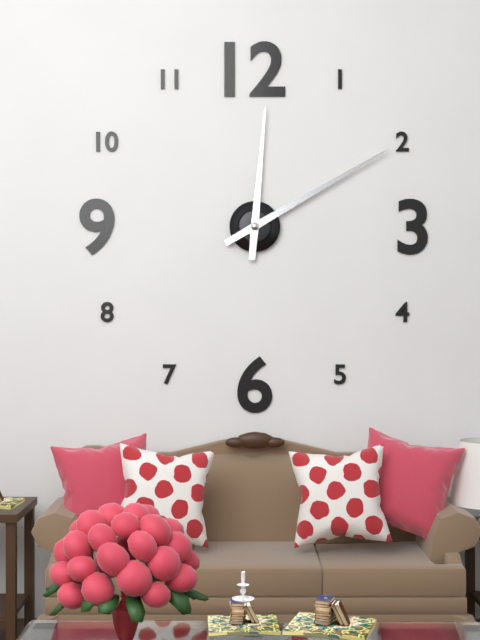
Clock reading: 12.10
